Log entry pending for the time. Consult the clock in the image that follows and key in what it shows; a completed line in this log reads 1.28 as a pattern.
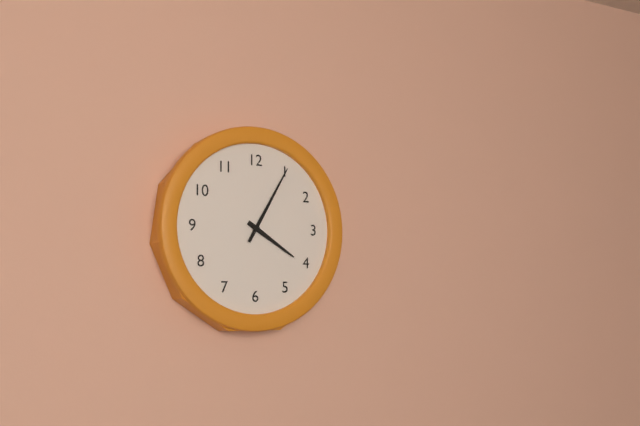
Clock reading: 4.05
